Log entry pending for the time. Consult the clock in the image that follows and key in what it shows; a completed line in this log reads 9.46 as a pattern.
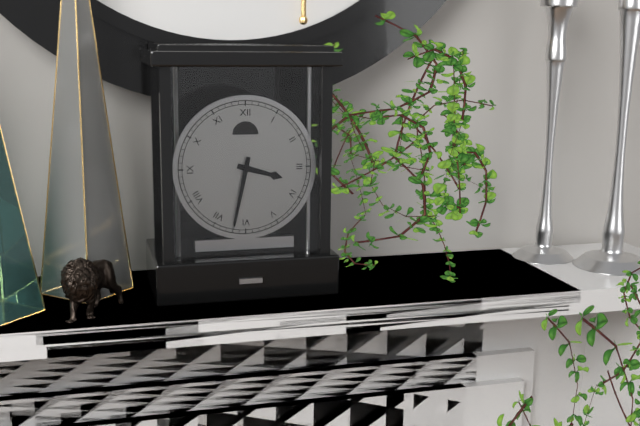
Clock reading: 3.32
